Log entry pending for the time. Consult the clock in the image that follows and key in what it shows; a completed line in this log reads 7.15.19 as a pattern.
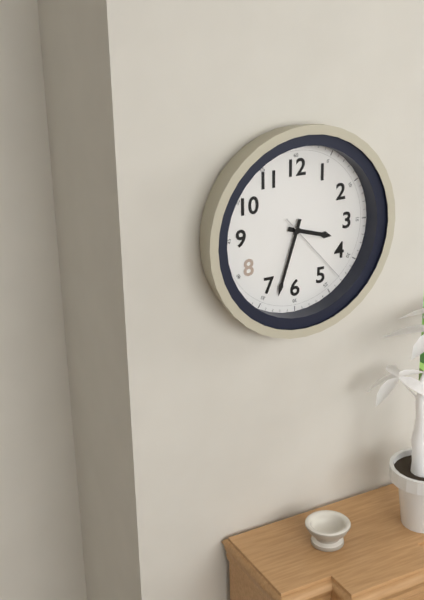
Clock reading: 3.33.23
